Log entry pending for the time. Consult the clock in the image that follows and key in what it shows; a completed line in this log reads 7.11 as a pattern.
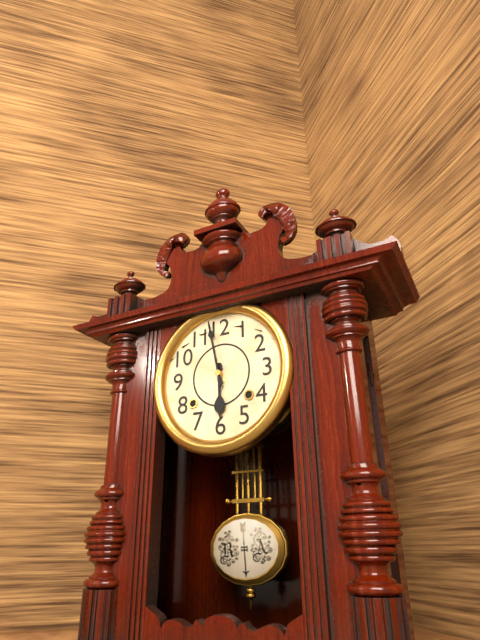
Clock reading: 5.58
